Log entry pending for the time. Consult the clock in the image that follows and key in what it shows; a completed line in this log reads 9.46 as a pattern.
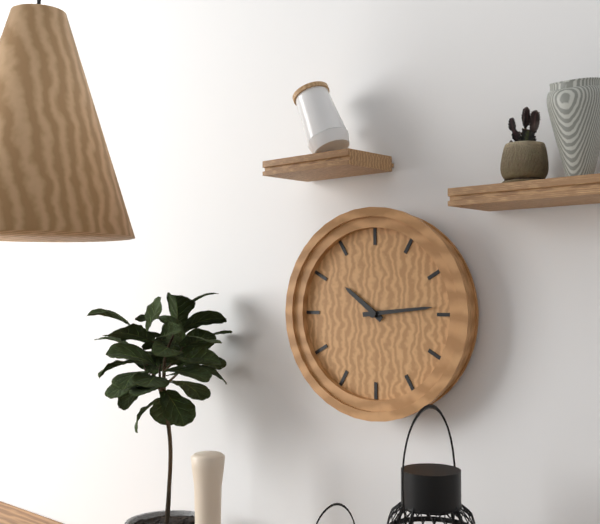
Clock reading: 10.14
